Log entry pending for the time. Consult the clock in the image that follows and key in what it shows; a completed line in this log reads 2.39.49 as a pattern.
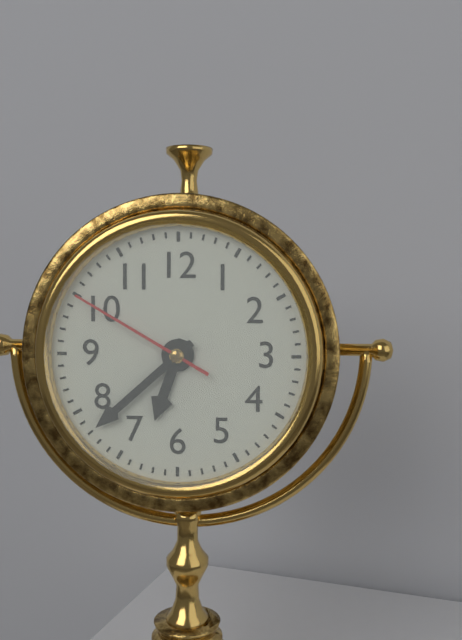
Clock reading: 6.38.50
